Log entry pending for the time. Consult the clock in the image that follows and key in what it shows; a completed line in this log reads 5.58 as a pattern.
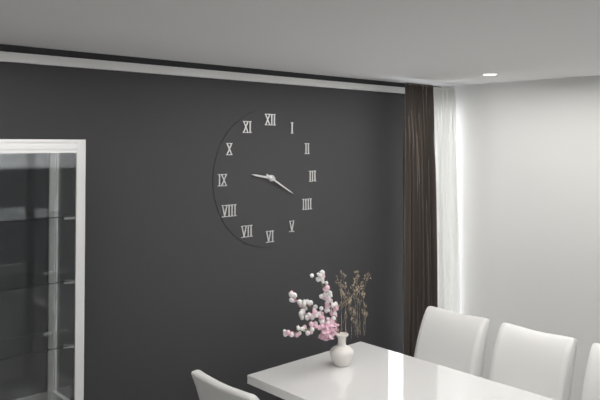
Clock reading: 9.20
